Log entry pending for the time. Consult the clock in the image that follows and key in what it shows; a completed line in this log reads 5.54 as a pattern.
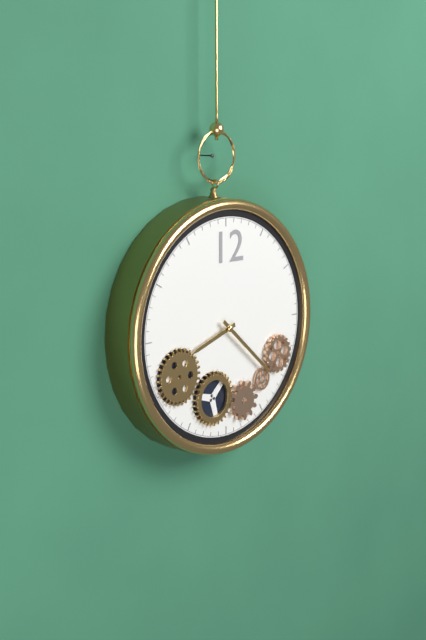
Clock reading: 8.22
